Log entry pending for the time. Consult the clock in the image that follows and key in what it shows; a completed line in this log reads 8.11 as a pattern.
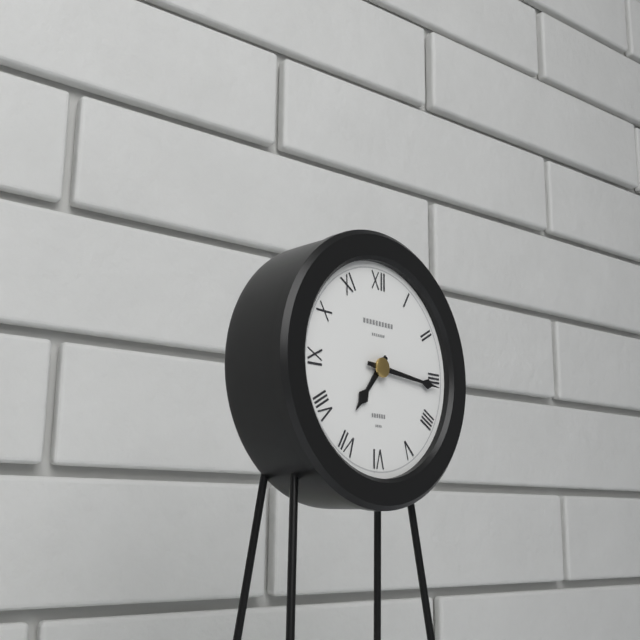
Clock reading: 7.16
